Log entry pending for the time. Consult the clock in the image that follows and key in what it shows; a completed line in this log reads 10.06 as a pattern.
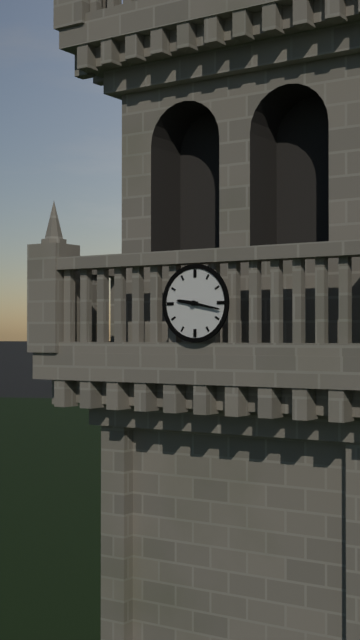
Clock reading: 9.17
